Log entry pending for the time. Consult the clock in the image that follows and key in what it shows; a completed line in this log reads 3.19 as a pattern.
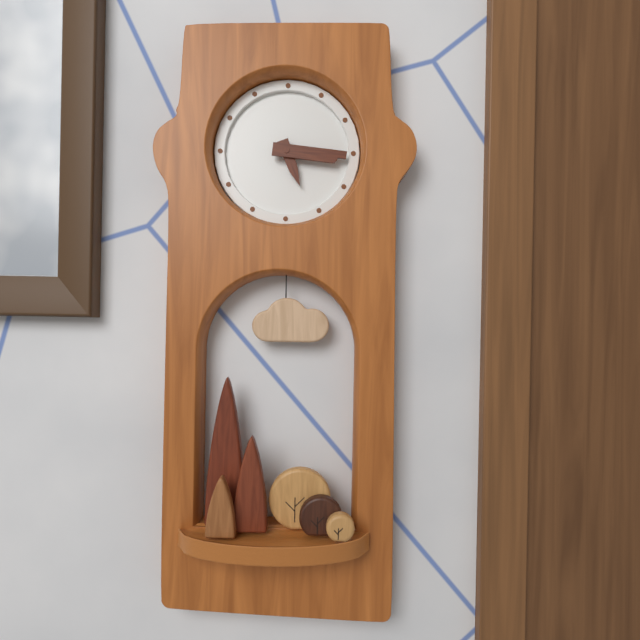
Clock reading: 5.16
